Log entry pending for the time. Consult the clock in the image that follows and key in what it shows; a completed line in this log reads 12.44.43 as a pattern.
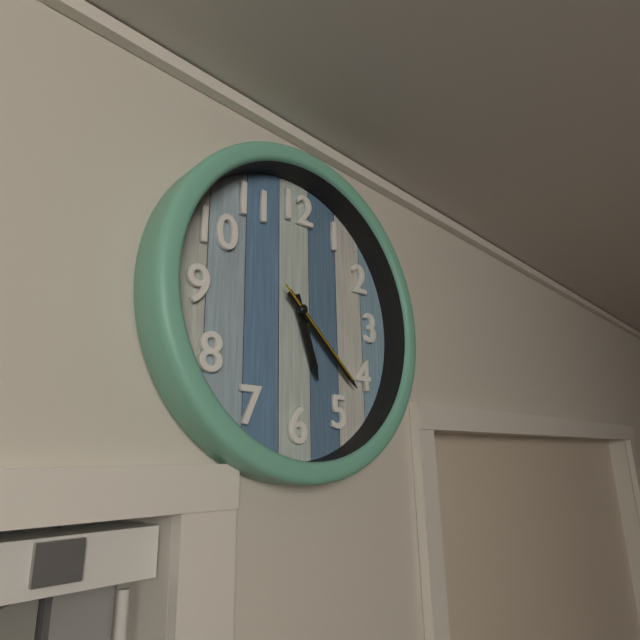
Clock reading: 5.22.22
